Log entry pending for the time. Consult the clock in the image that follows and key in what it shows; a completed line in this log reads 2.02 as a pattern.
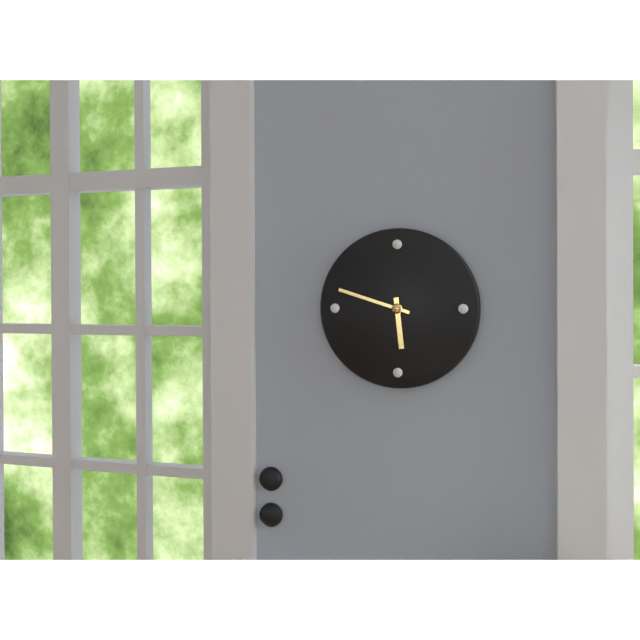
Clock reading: 5.48
